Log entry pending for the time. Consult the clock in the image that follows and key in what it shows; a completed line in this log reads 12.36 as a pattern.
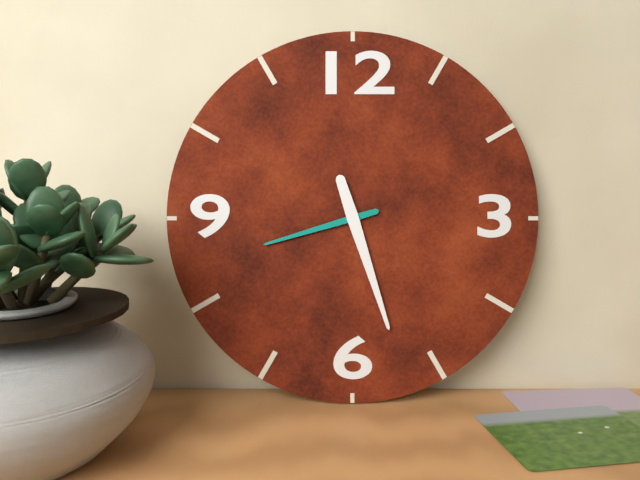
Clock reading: 8.27
